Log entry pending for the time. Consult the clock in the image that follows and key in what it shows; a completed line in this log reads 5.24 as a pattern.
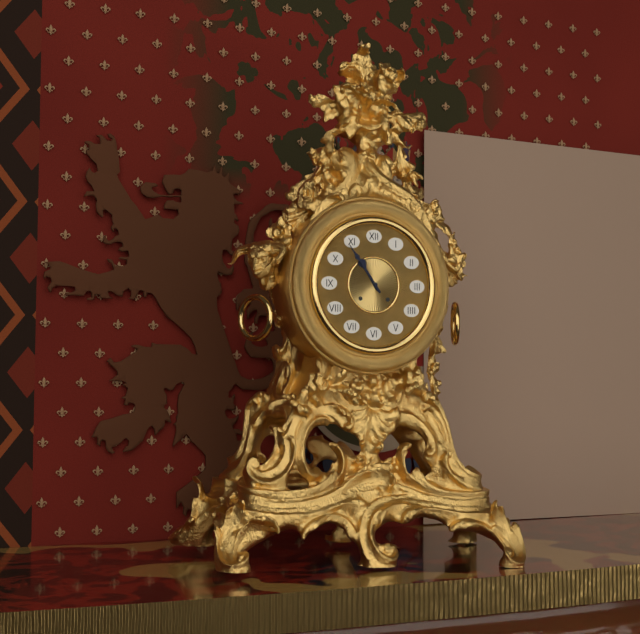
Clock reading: 10.54
